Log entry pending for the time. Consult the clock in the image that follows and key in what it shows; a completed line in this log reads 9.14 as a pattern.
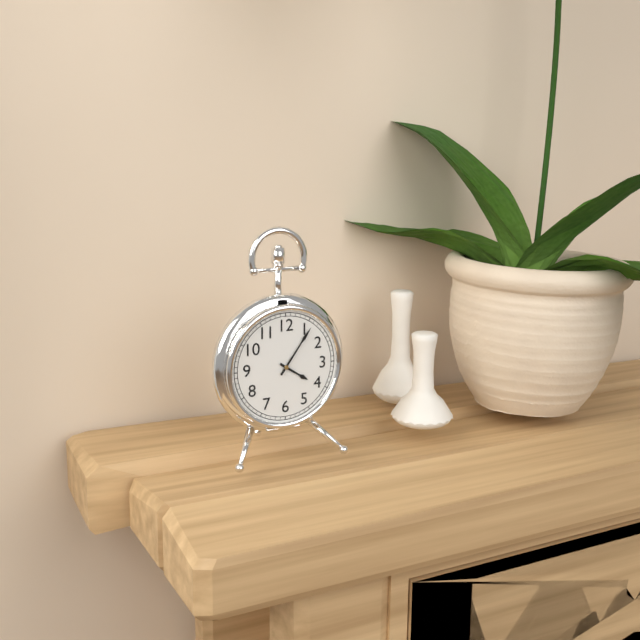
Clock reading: 4.06
